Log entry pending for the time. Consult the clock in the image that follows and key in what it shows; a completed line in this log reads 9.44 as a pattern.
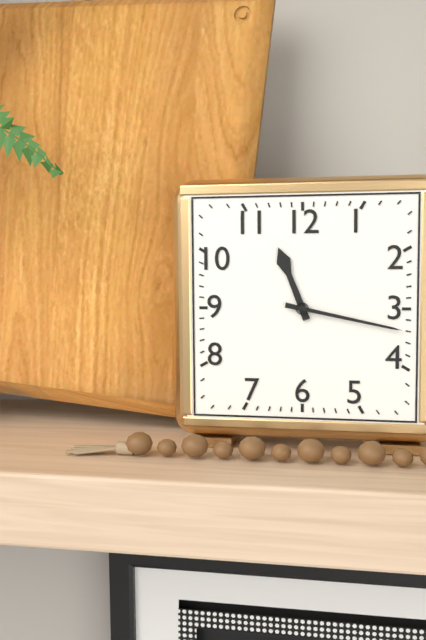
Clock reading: 11.17
